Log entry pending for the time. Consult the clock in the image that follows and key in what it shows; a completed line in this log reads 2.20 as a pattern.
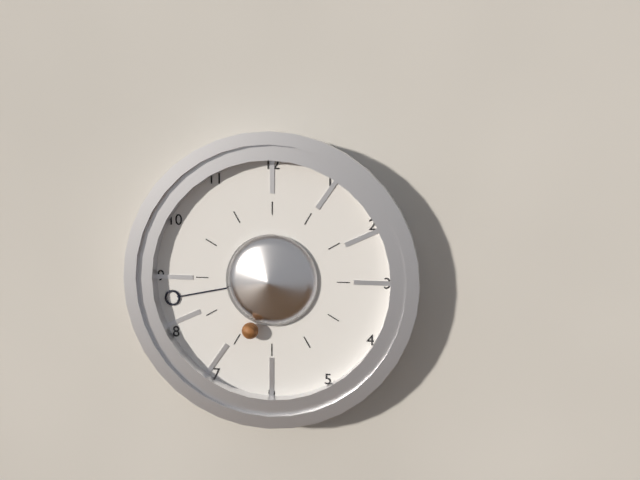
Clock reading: 6.43
